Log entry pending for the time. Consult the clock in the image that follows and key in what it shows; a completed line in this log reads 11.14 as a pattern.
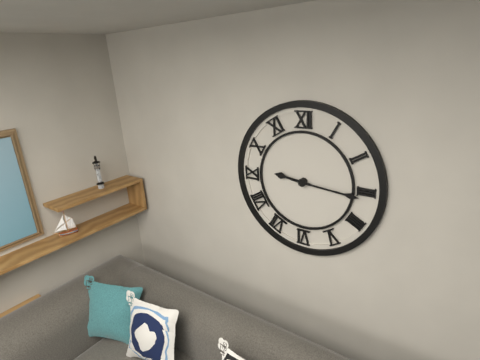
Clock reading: 9.16
